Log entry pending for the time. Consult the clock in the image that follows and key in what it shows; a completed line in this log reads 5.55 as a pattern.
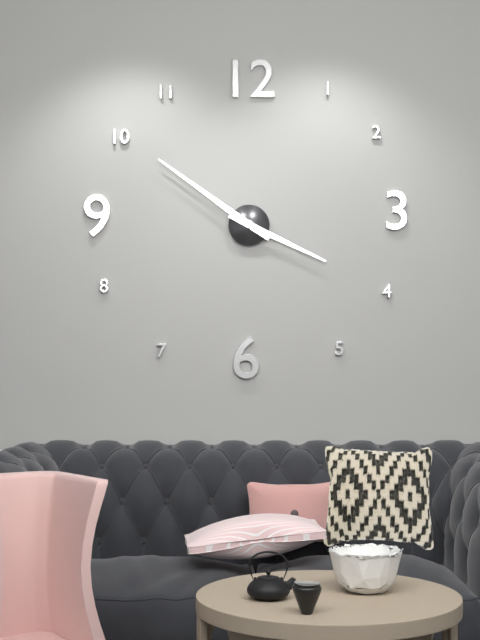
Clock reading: 3.51
